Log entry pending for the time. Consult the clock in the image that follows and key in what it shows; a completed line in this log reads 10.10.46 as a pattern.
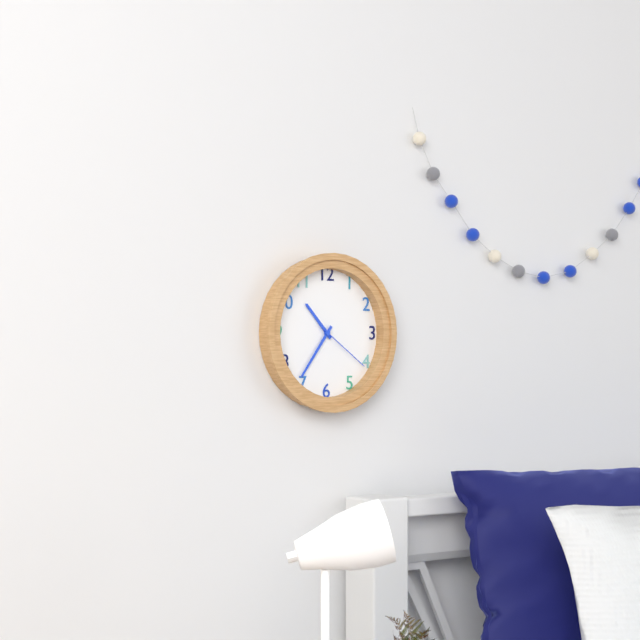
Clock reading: 10.36.21
